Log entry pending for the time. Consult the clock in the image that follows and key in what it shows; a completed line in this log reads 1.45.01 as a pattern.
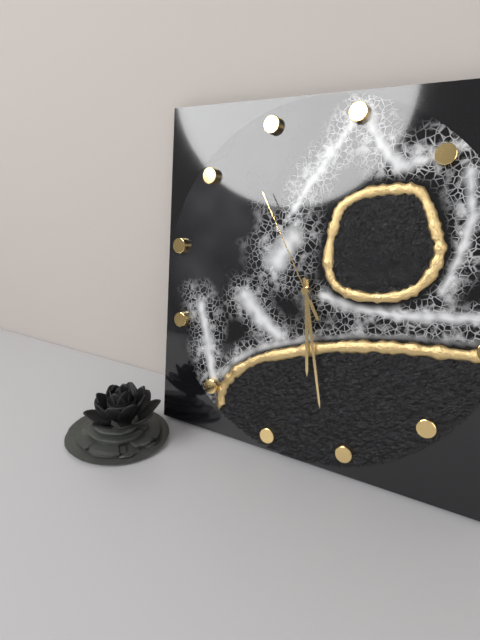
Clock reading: 5.26.53
